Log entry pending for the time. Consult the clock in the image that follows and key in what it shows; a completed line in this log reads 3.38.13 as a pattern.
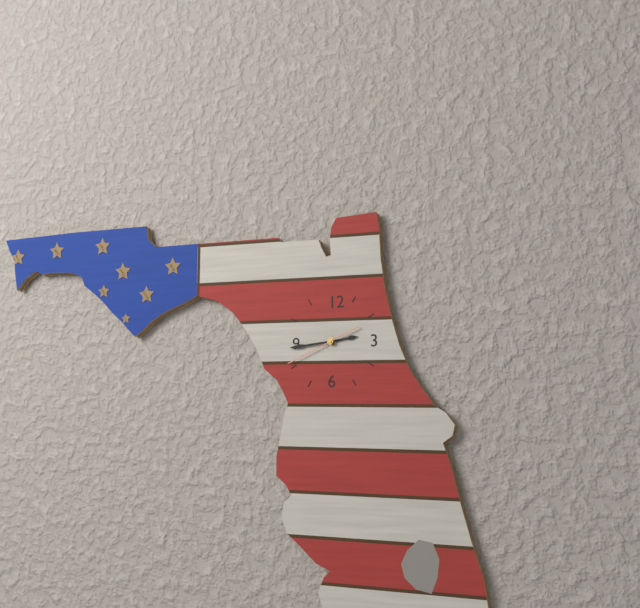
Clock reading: 2.44.41
